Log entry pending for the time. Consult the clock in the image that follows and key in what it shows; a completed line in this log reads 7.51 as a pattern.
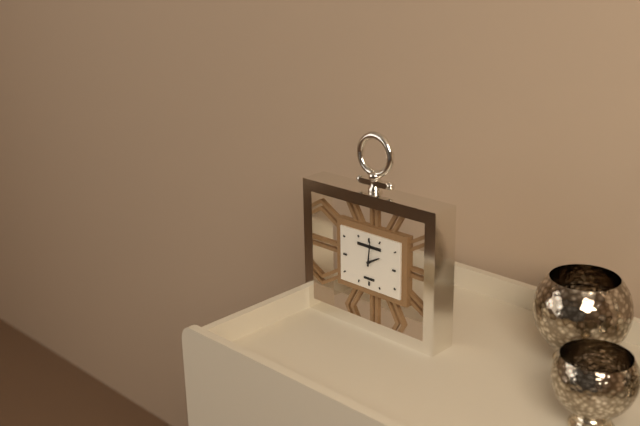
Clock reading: 2.01
